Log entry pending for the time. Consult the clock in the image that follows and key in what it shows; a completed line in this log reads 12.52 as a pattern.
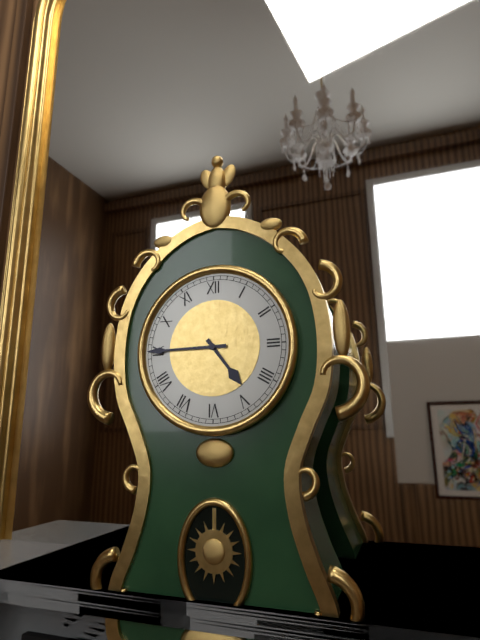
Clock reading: 4.45
